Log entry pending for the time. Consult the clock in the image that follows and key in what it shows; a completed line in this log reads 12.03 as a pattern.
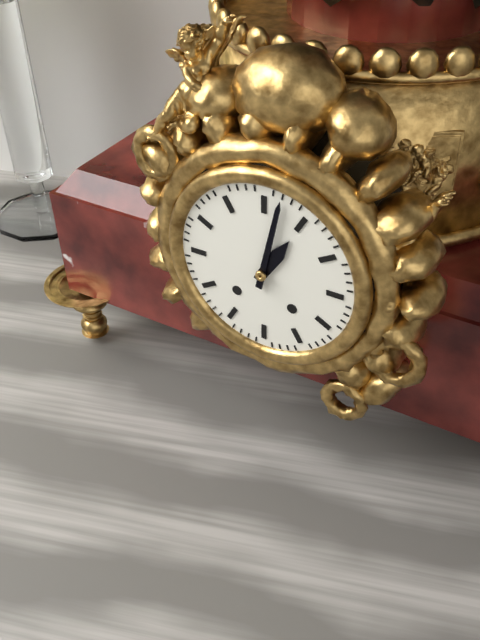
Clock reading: 1.02
